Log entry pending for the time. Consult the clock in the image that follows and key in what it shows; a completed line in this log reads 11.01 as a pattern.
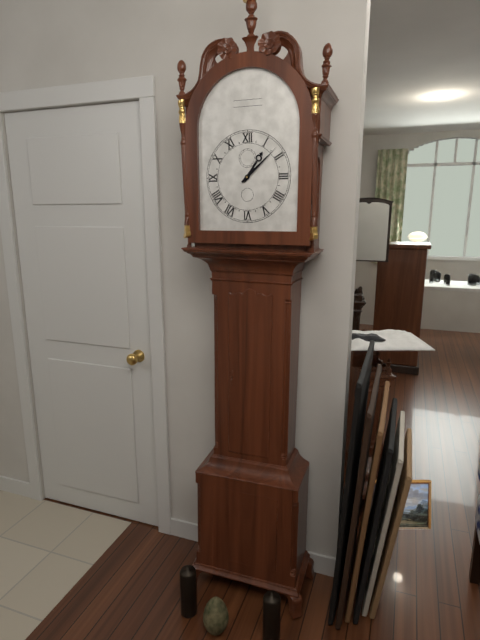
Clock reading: 1.08
